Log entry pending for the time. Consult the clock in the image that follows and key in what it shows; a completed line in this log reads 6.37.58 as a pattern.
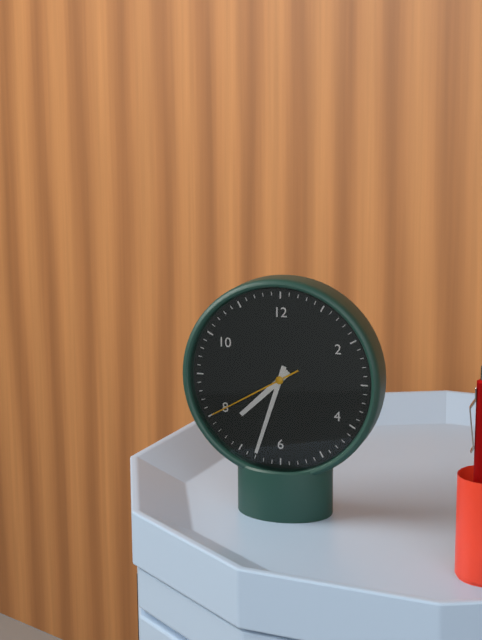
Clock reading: 7.33.40
